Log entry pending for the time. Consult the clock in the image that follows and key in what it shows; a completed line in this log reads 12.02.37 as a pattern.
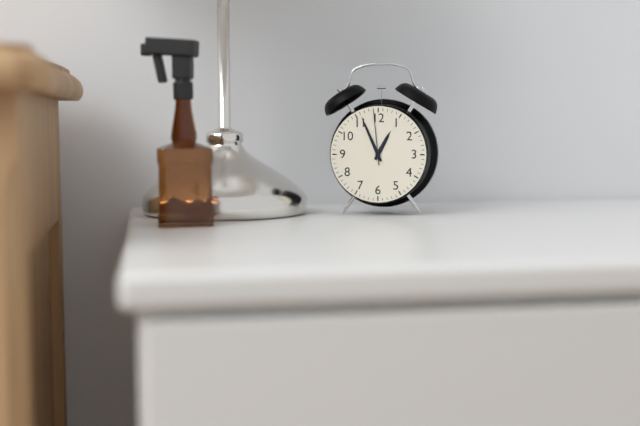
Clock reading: 12.56.59
